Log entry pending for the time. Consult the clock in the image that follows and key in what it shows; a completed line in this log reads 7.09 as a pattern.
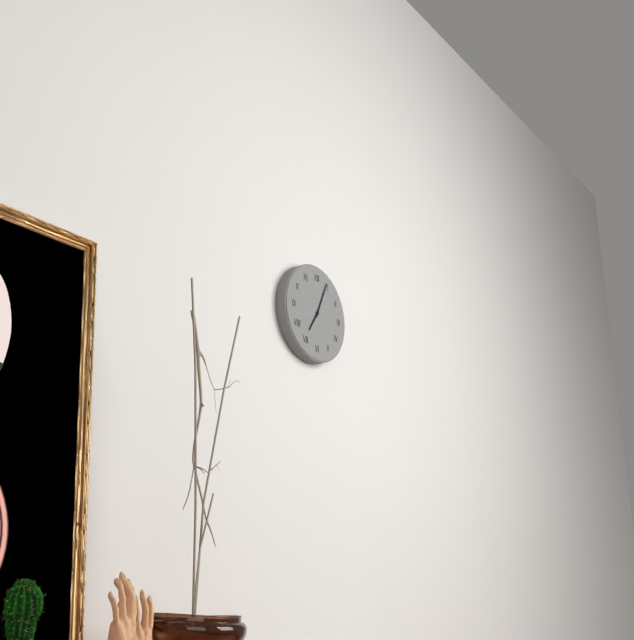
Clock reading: 7.04
